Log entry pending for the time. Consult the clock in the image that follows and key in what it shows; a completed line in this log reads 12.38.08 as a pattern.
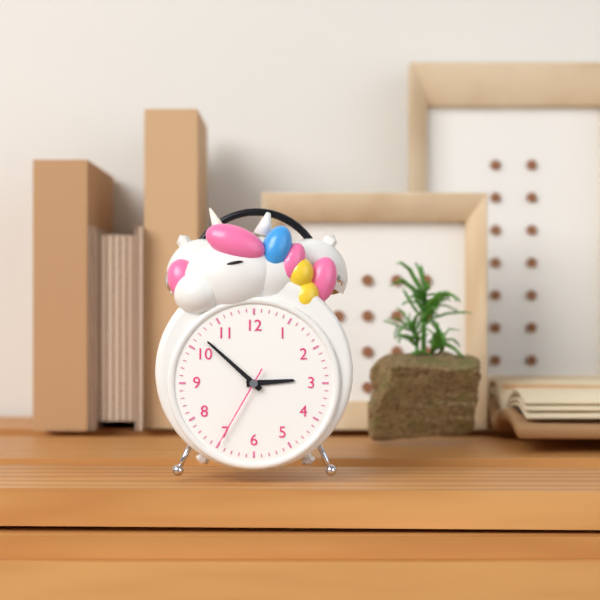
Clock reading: 2.52.35
